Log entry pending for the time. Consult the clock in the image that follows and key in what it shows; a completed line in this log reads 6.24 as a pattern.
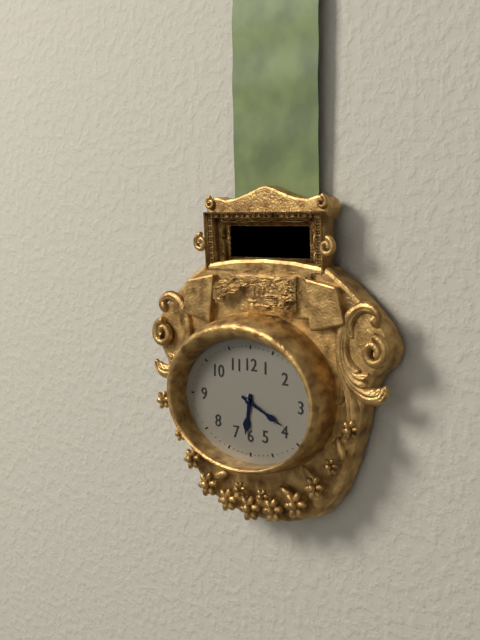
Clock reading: 6.19
